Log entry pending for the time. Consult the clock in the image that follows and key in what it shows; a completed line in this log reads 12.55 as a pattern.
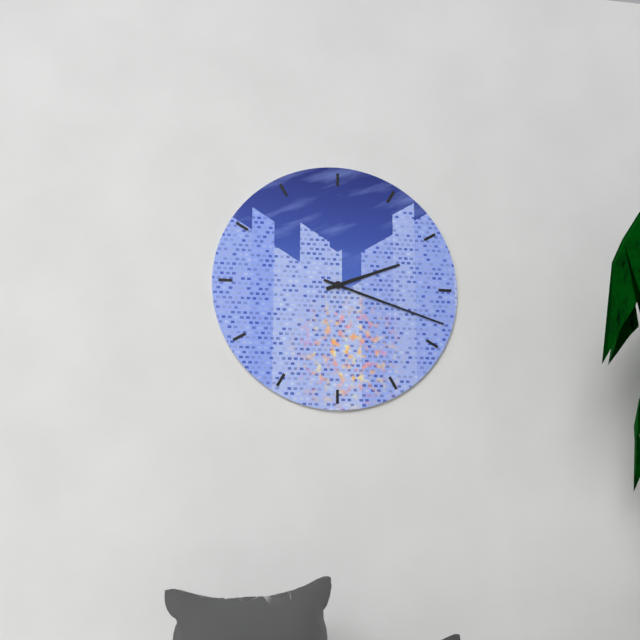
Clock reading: 2.18
